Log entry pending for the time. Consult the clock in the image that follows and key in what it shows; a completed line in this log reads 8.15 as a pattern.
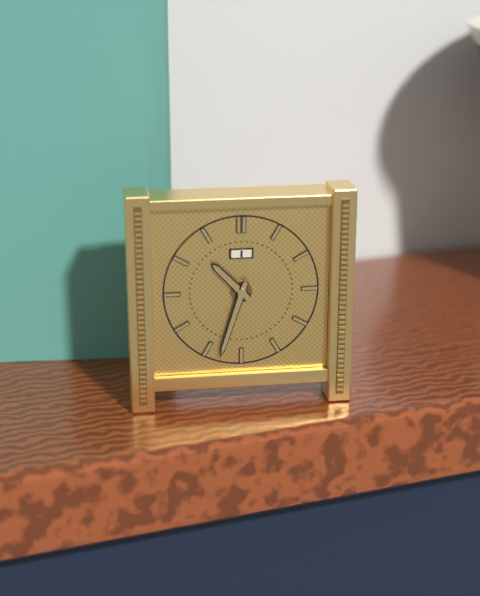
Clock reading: 10.33
